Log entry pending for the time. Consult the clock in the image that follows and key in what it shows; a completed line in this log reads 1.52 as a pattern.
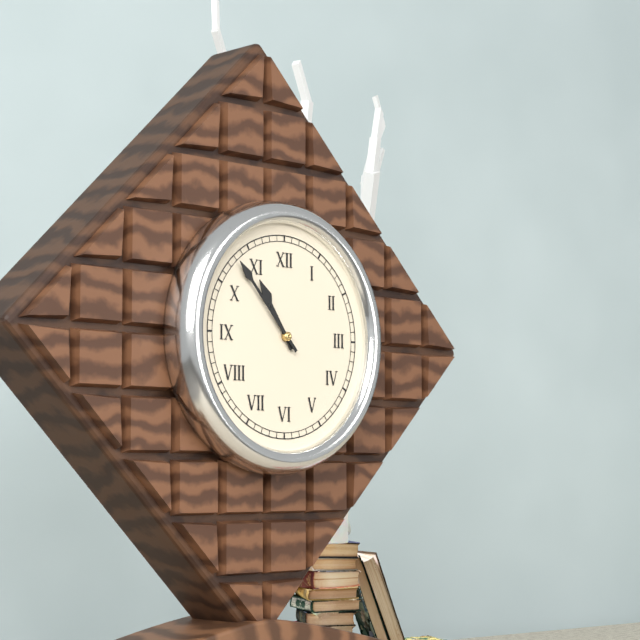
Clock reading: 10.53
